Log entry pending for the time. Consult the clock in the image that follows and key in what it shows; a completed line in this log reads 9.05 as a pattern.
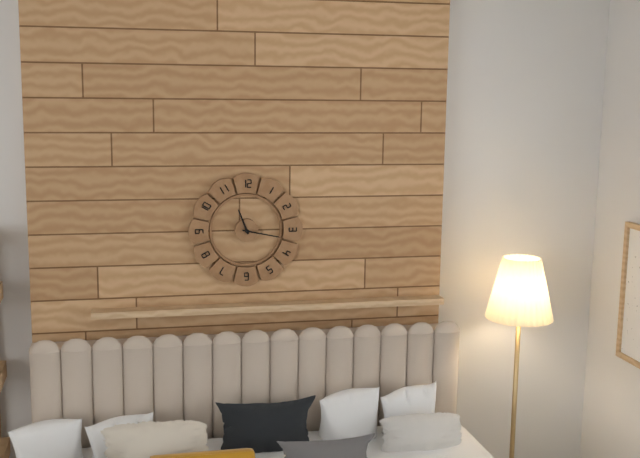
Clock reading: 11.17
